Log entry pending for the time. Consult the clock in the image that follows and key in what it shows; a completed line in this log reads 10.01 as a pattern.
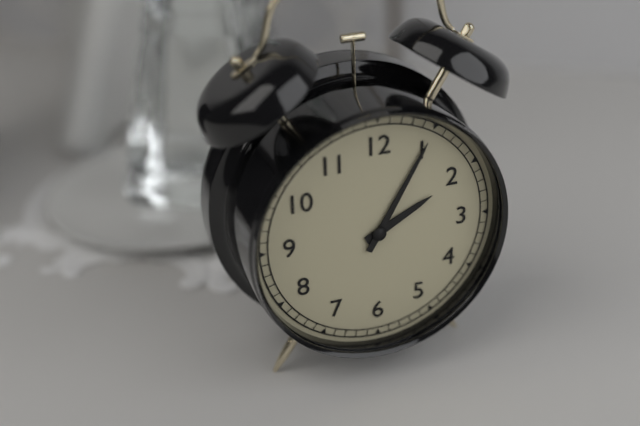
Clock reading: 2.05
